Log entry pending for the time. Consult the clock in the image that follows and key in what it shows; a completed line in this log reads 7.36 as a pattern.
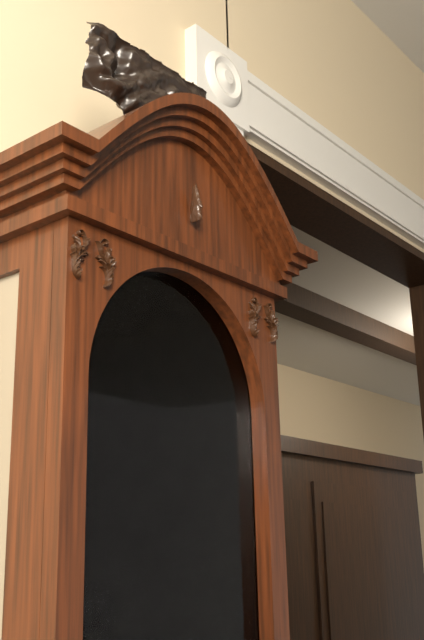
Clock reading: 9.31
